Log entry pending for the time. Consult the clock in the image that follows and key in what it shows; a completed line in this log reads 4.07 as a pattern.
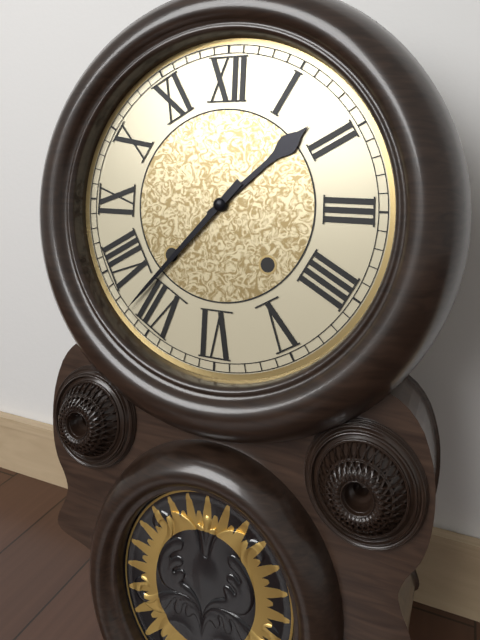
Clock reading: 1.37
